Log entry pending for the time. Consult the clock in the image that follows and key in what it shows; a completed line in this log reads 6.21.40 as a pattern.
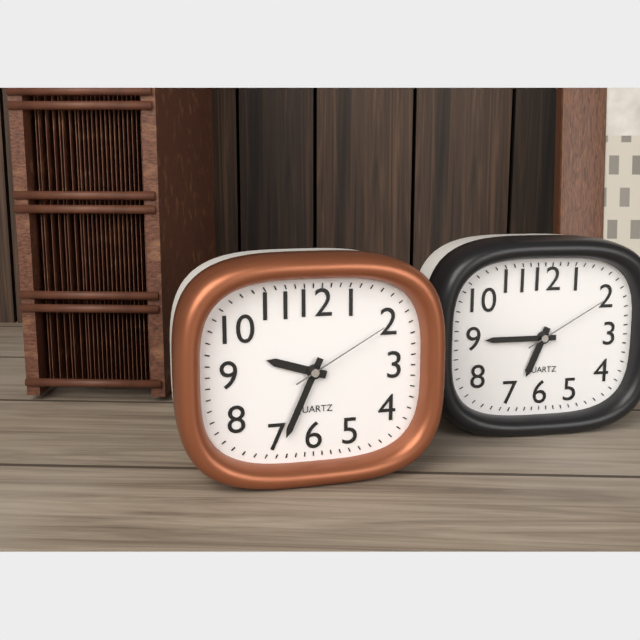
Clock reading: 9.34.10
